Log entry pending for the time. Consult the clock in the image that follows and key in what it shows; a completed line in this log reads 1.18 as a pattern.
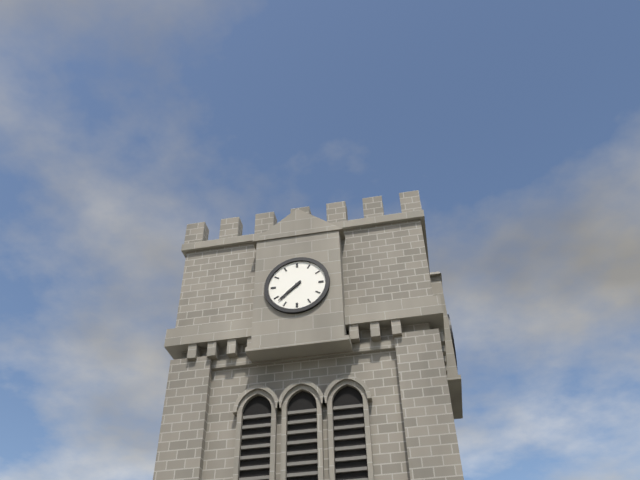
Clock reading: 7.38
